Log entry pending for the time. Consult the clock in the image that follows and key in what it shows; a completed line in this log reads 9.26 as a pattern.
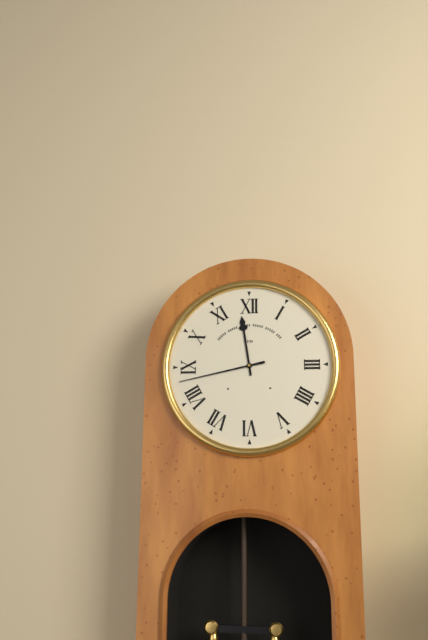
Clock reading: 11.43
